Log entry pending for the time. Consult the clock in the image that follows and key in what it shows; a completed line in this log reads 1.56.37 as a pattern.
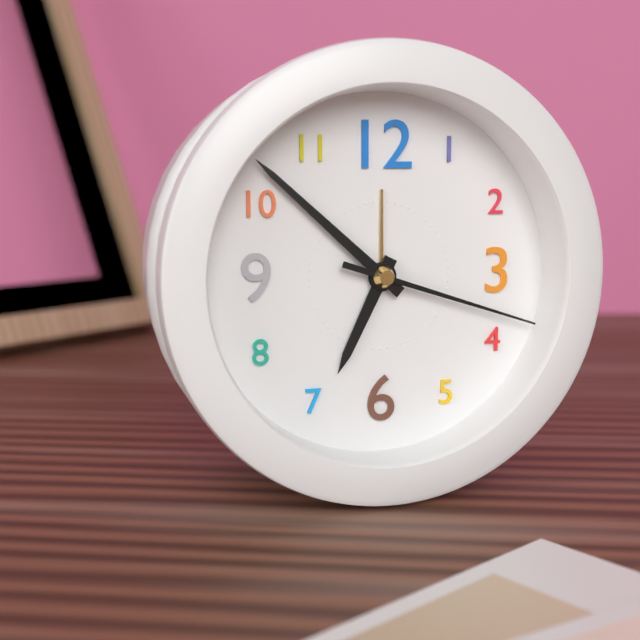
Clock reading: 6.52.18
